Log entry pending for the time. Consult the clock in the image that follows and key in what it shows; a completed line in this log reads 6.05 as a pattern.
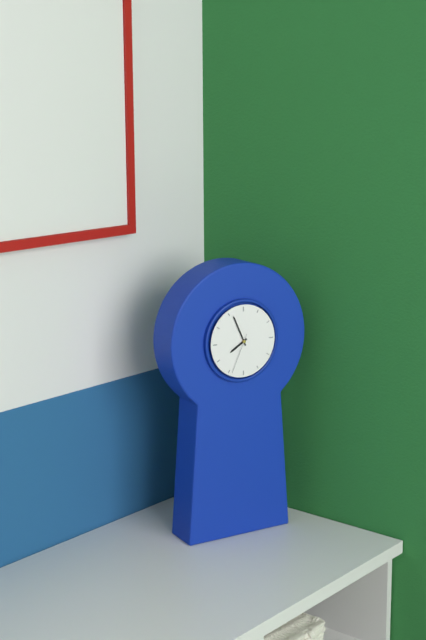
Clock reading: 7.56
